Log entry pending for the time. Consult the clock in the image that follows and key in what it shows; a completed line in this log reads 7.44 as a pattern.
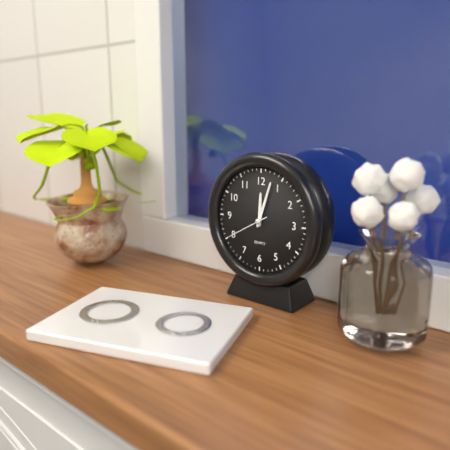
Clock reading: 12.03
